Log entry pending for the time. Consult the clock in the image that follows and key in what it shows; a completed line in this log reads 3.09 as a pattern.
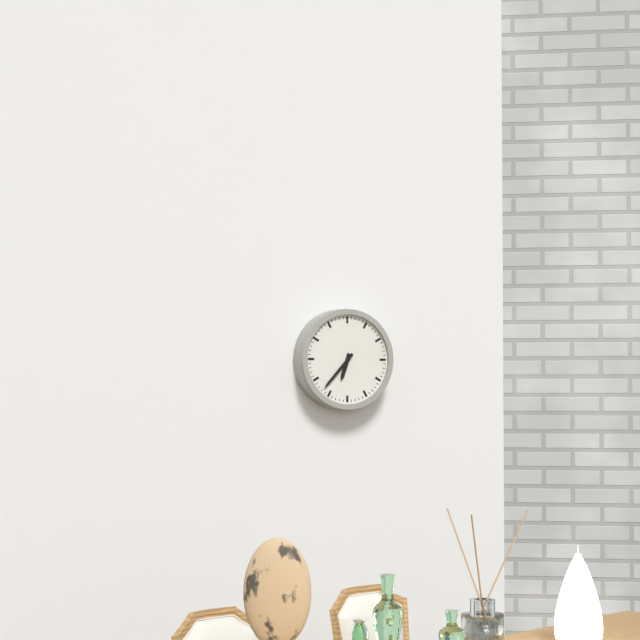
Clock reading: 6.37
